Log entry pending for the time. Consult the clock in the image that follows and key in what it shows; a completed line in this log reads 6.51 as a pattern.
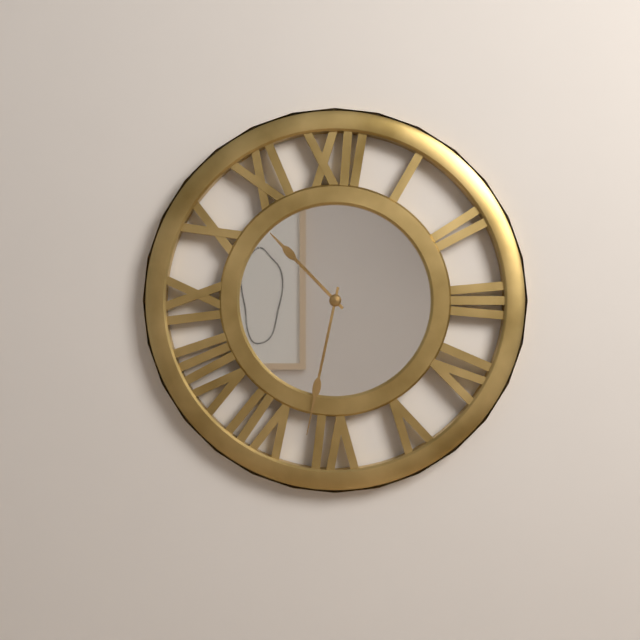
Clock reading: 10.32
